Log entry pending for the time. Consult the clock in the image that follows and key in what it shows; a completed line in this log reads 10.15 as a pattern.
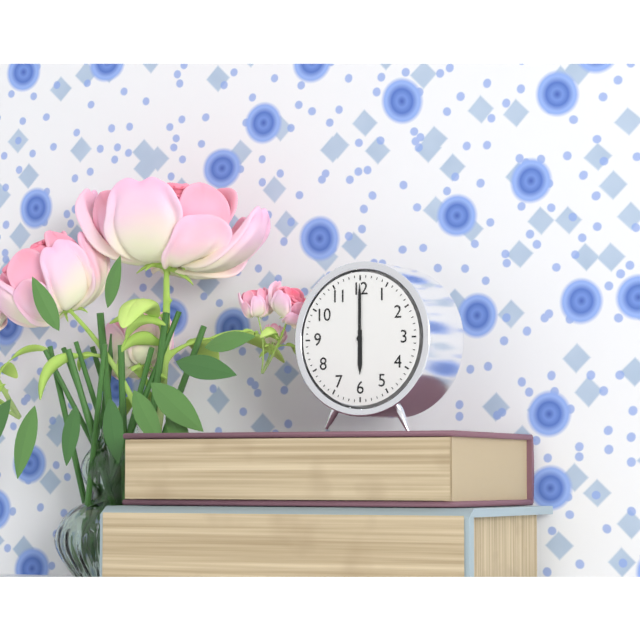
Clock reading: 6.00
